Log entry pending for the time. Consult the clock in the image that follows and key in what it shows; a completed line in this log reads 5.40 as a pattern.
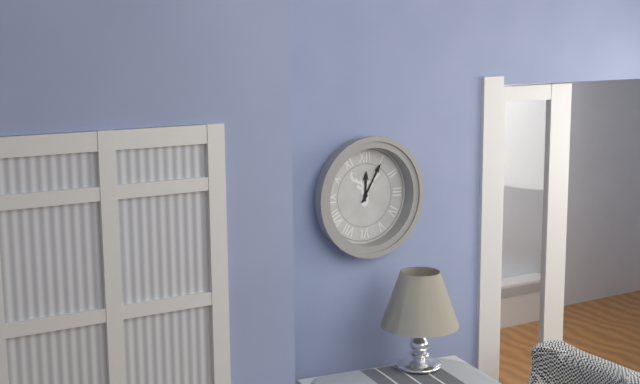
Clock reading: 12.05
